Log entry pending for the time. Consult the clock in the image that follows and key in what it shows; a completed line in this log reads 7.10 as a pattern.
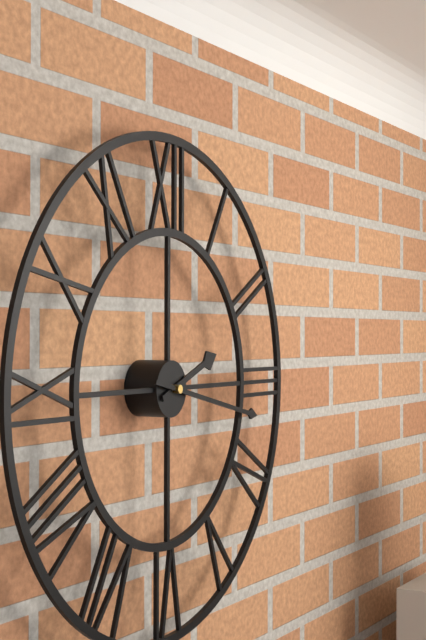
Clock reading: 2.17
